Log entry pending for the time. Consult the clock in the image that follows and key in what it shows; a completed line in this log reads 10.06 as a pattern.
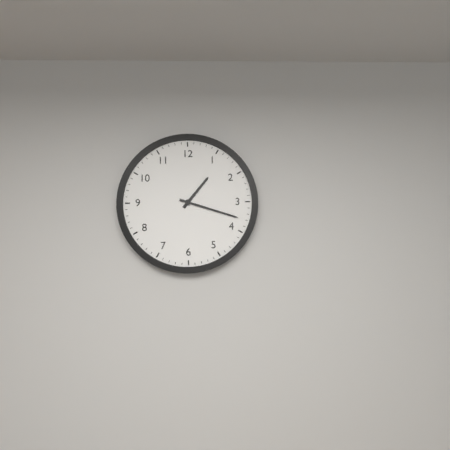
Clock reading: 1.18
